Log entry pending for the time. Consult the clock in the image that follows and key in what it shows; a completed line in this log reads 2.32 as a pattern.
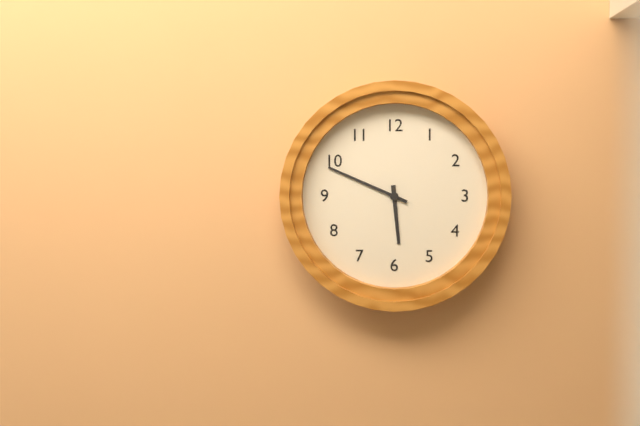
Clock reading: 5.49
